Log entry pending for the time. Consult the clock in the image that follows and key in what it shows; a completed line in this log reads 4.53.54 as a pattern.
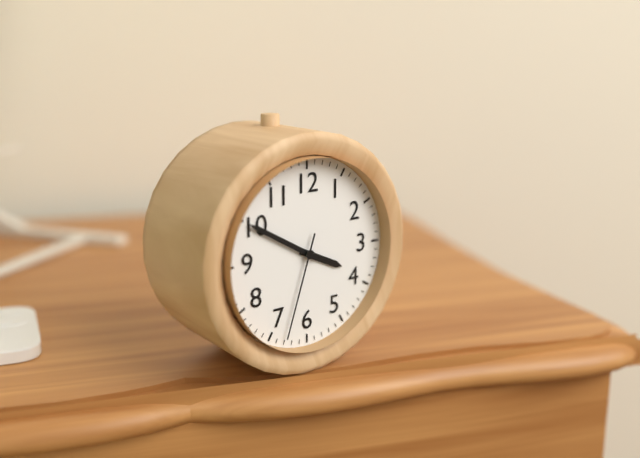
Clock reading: 3.50.33
